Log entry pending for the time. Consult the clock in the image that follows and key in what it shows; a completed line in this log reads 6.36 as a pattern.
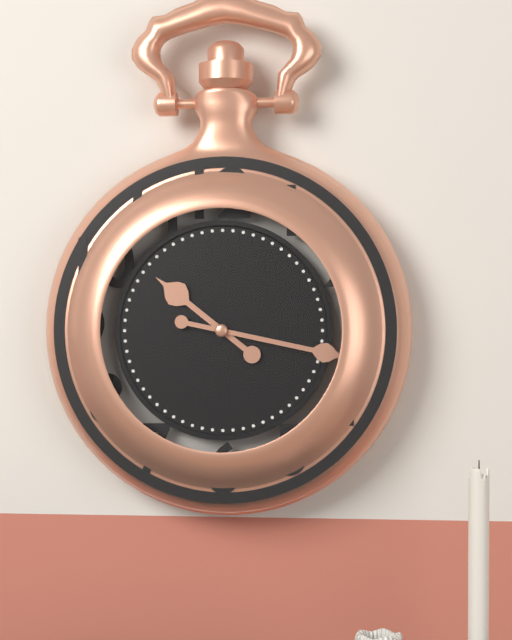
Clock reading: 10.17
